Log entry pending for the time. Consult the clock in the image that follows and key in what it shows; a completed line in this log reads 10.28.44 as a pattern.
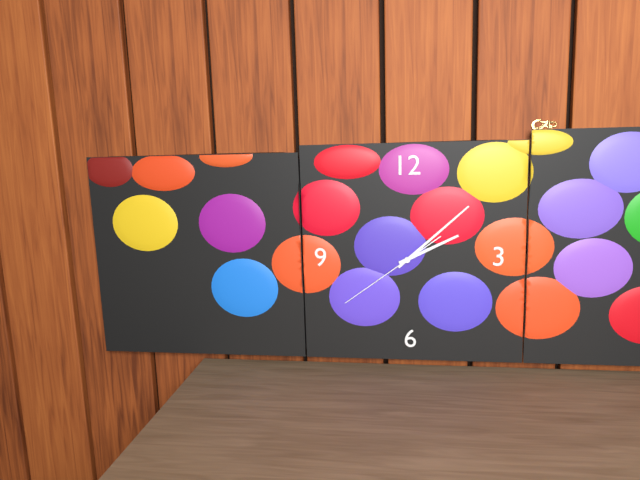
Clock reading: 2.08.39
